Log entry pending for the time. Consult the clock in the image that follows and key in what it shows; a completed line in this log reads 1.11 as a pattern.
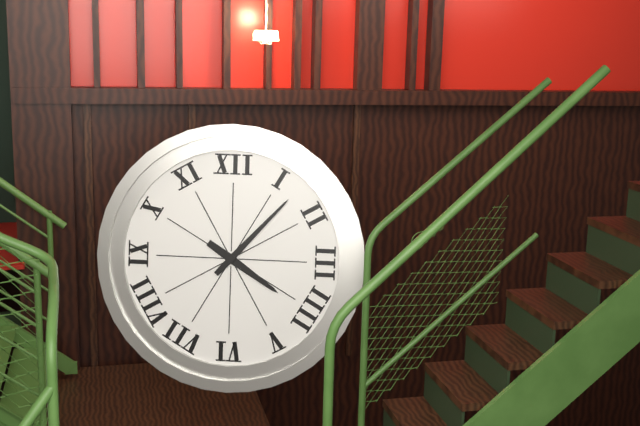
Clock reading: 4.07
